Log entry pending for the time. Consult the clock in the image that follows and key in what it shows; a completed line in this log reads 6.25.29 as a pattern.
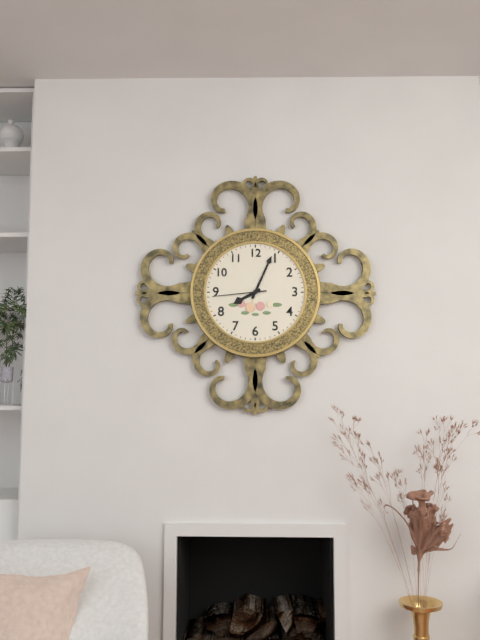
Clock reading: 8.04.44
